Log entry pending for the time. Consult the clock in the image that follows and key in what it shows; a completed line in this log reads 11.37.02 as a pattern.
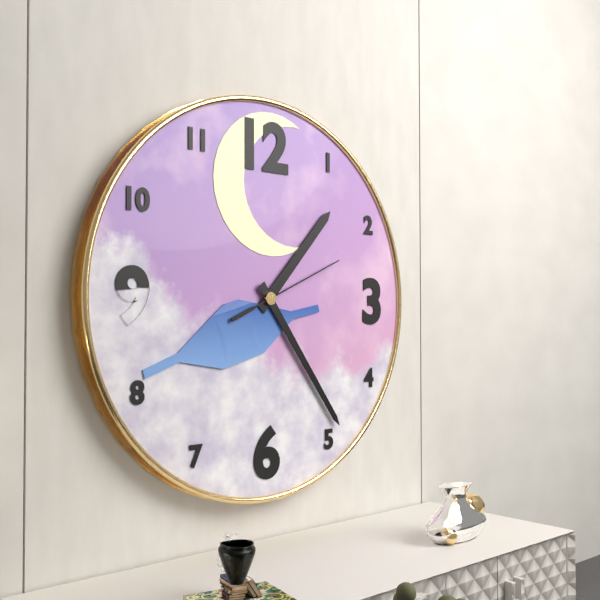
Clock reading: 1.24.11
